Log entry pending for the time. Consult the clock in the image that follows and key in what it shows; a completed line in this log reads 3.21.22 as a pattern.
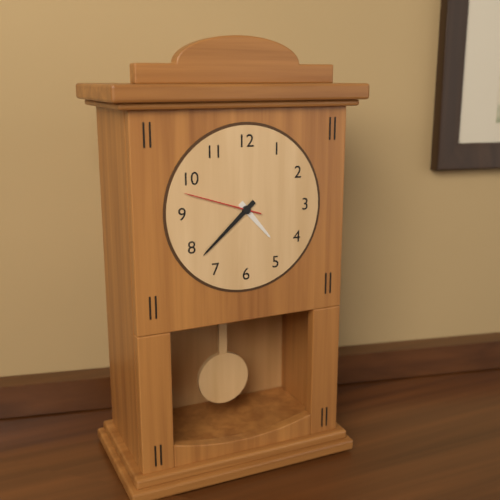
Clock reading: 4.38.48
